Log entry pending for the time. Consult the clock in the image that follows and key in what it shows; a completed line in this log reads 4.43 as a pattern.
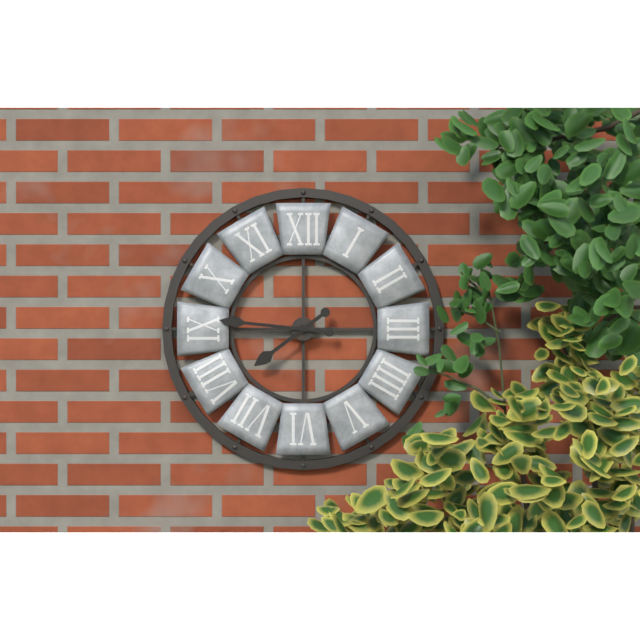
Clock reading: 7.46
